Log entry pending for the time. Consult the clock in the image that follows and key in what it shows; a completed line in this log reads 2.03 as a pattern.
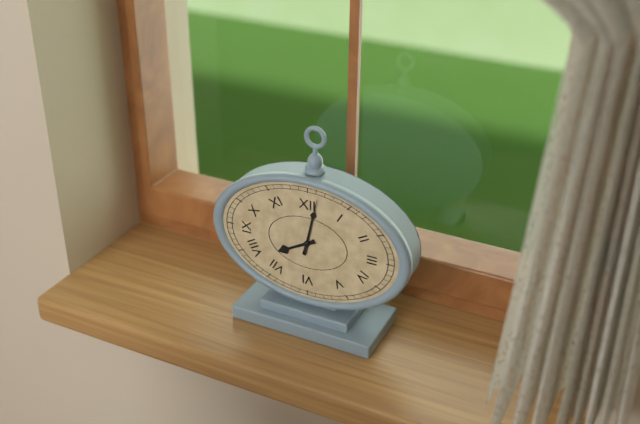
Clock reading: 8.02
